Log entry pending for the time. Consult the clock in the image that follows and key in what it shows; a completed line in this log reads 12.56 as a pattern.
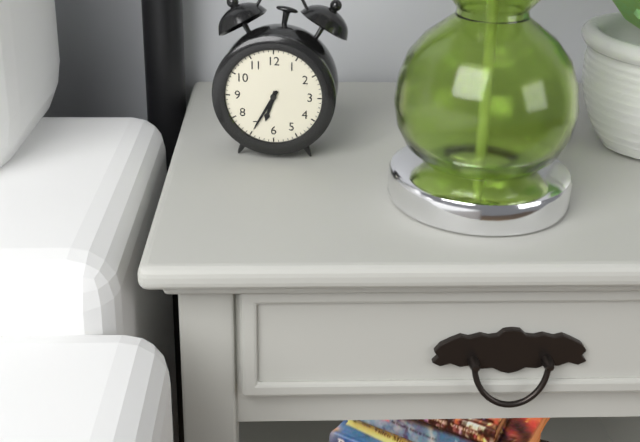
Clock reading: 6.35
